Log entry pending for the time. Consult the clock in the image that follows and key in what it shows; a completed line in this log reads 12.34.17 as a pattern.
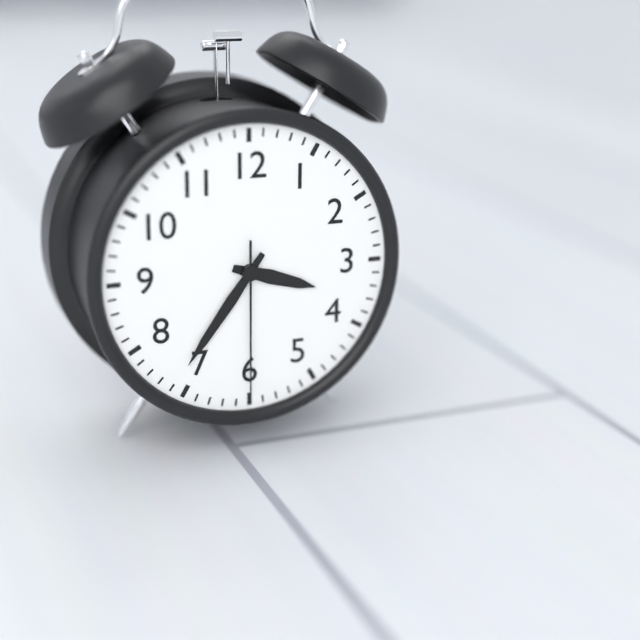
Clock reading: 3.36.30
